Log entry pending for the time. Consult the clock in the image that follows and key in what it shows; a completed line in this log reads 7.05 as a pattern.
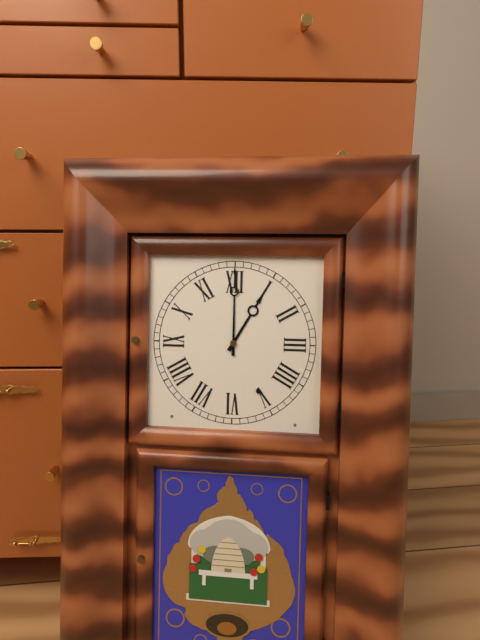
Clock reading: 1.00
